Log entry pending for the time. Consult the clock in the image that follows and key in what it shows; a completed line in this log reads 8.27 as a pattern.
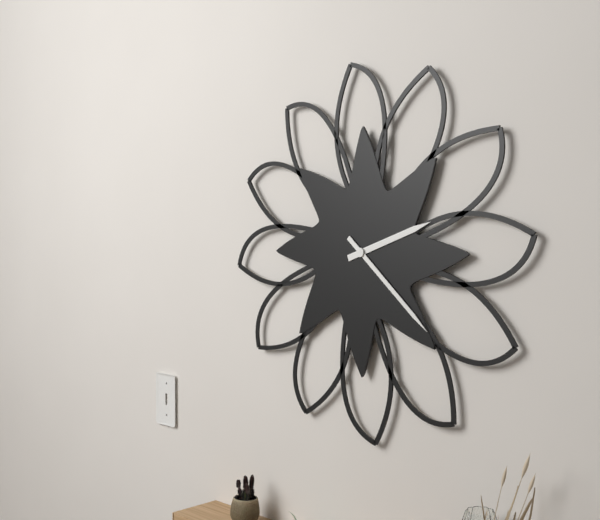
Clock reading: 2.22
